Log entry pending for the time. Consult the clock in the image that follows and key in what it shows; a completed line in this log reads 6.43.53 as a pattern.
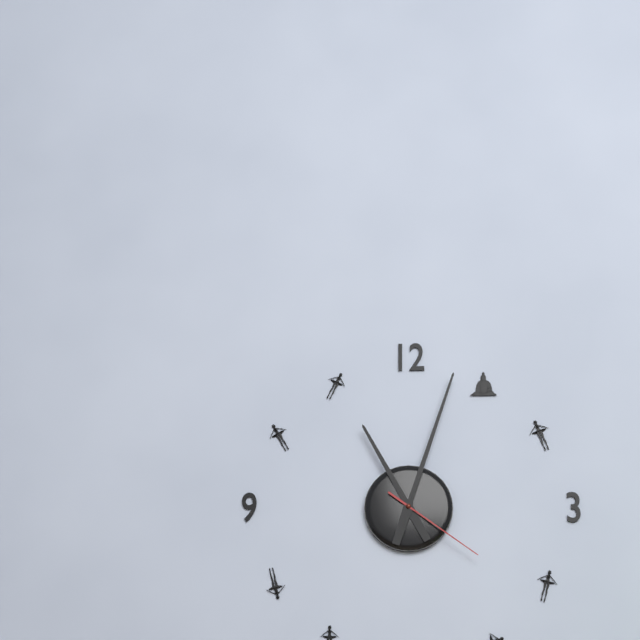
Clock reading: 11.03.21
